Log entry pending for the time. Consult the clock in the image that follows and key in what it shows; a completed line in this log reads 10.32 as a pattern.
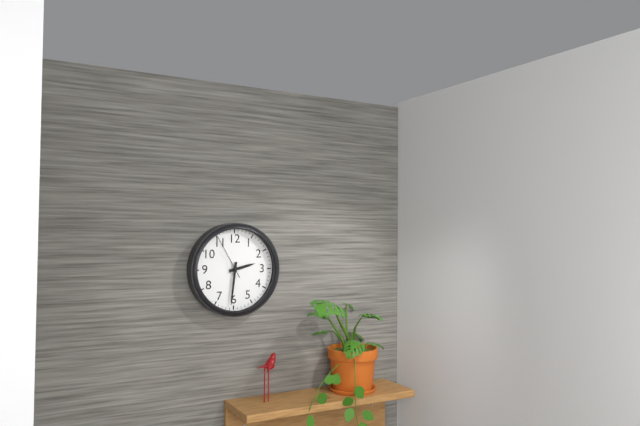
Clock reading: 2.31
